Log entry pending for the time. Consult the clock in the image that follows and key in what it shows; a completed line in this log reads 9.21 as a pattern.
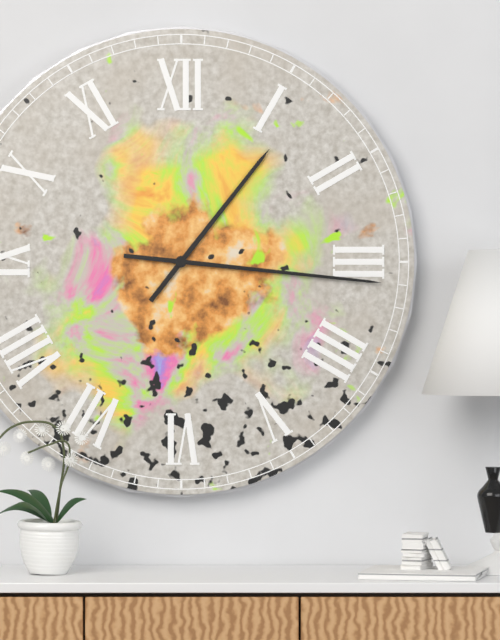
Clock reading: 1.16
